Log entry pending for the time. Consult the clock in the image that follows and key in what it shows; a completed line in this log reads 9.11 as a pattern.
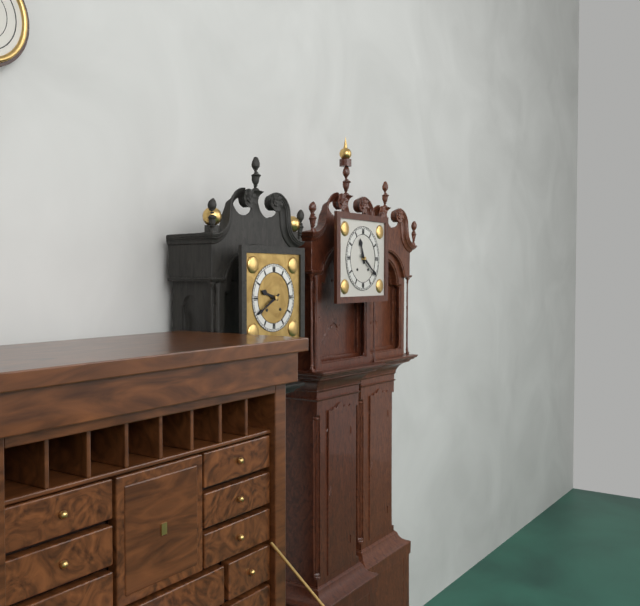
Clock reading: 11.21
